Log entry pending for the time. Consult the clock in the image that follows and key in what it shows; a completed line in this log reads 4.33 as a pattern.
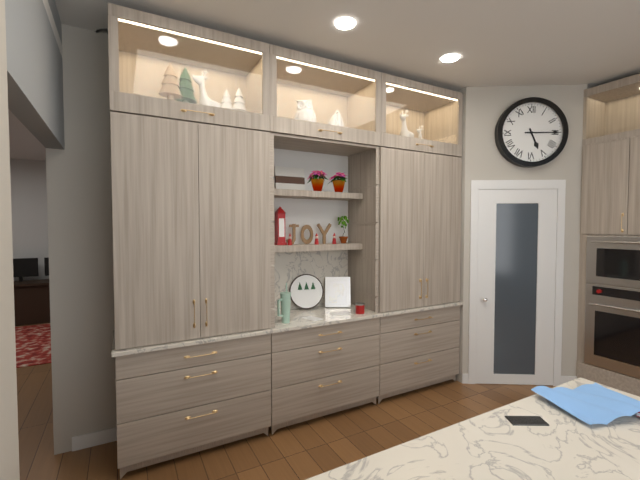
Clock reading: 5.15
